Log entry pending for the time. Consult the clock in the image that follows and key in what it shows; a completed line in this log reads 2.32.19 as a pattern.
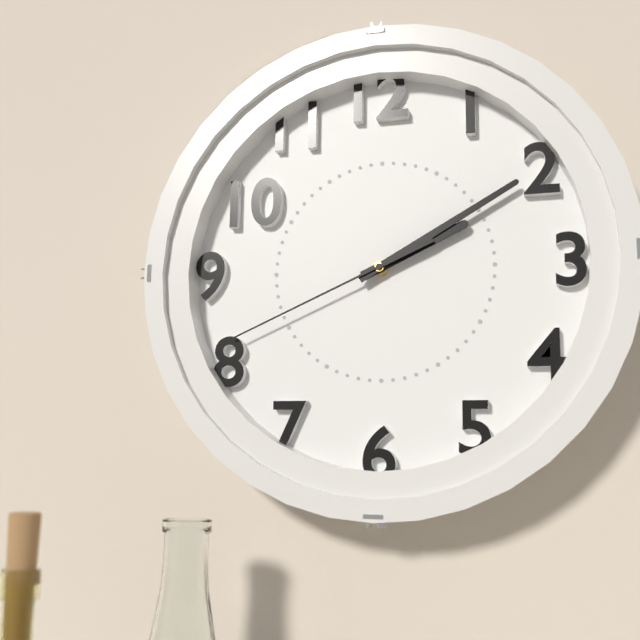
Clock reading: 2.10.41
